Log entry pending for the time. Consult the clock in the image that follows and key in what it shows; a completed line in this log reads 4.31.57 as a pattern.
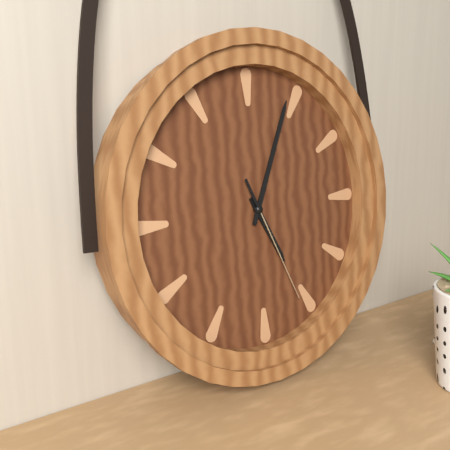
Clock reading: 5.04.26
